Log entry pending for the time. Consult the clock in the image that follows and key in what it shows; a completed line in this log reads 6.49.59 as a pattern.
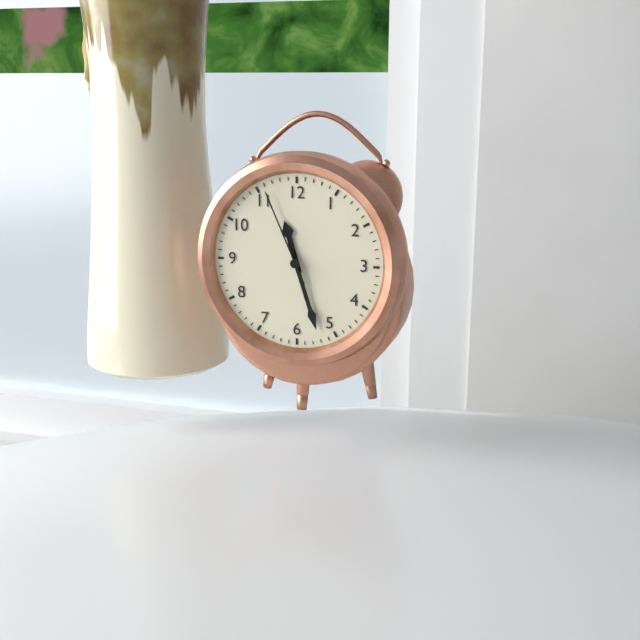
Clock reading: 11.27.56
